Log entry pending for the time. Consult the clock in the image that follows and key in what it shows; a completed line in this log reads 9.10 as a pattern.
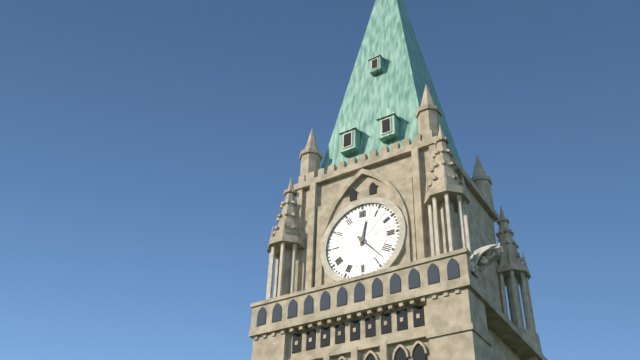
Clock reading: 12.23
